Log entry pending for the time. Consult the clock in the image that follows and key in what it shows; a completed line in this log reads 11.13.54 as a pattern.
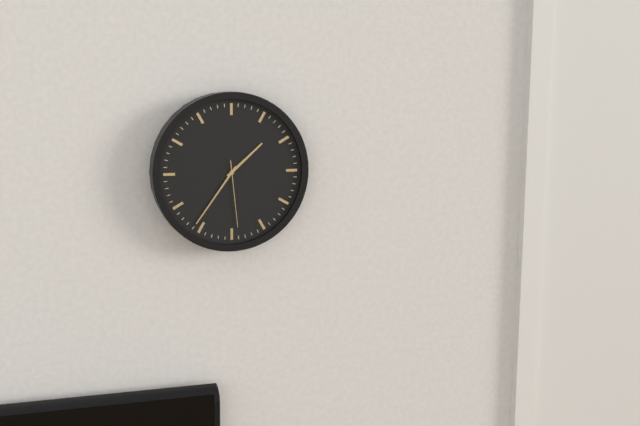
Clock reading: 1.36.29
